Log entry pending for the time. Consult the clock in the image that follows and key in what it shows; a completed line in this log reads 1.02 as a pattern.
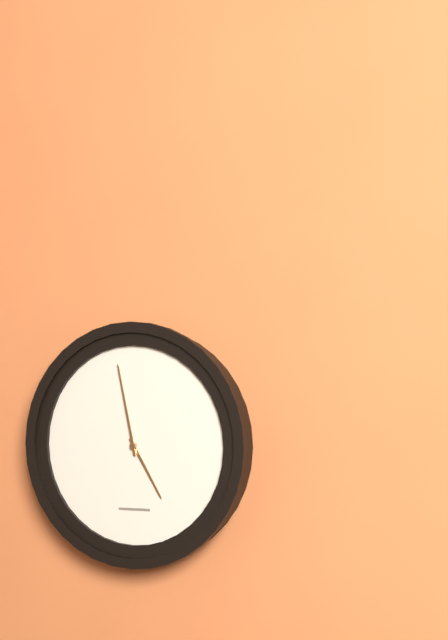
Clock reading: 4.58
